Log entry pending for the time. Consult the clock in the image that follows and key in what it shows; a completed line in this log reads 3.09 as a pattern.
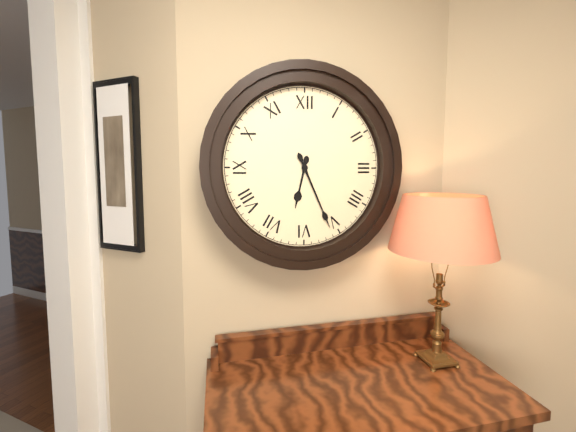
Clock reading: 6.26
